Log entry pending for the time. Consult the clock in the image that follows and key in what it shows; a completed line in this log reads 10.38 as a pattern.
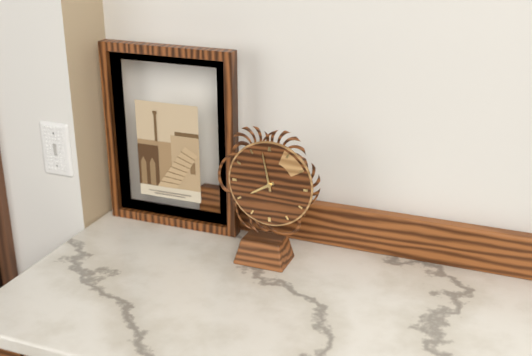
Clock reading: 7.58
